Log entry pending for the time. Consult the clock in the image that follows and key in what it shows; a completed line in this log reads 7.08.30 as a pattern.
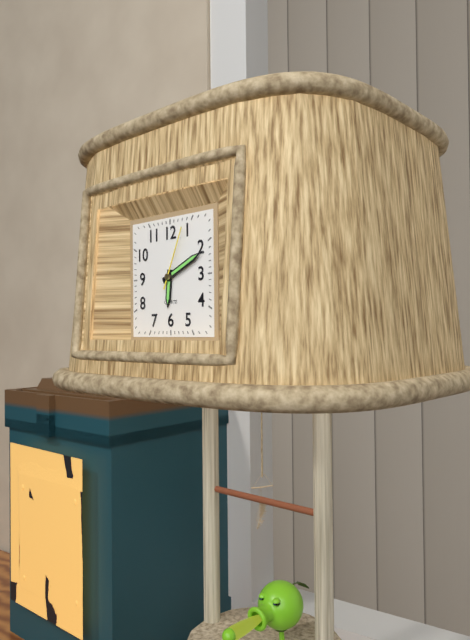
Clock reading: 6.11.04
